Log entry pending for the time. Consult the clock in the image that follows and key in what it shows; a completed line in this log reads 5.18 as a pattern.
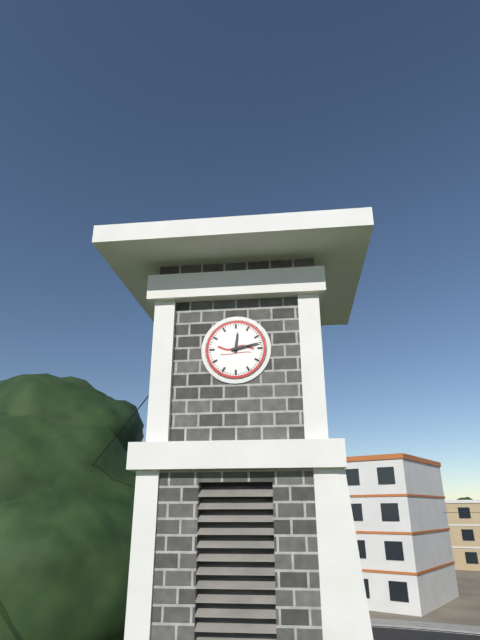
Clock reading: 12.13
